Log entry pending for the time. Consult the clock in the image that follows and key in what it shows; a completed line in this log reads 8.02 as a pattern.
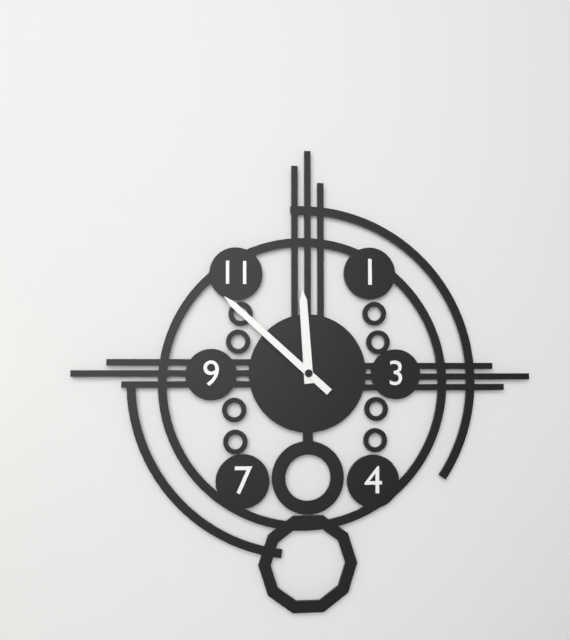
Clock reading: 11.52
